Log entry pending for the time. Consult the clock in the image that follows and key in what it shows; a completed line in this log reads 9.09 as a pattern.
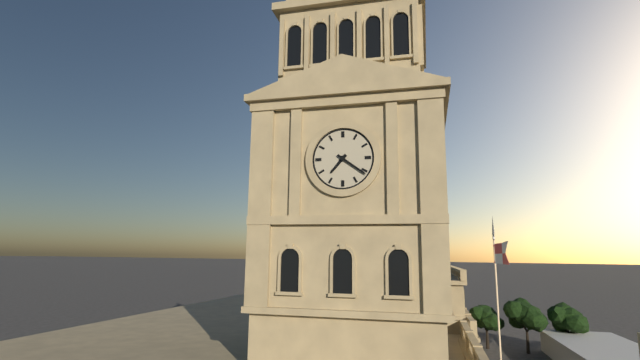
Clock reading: 7.21
